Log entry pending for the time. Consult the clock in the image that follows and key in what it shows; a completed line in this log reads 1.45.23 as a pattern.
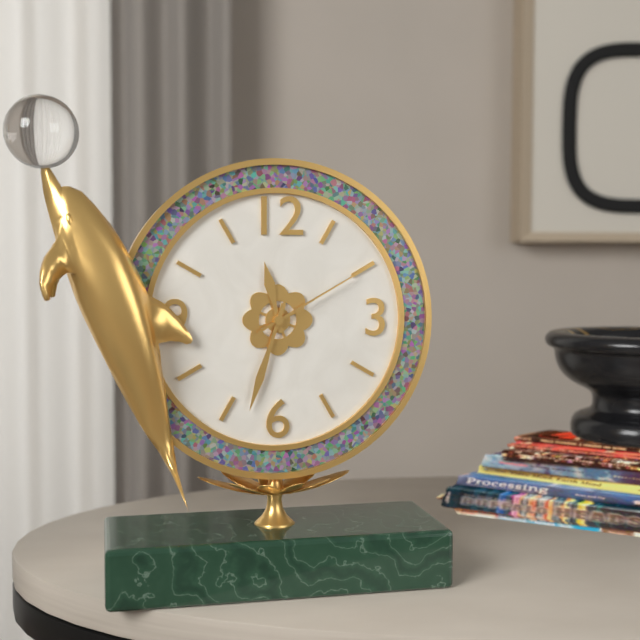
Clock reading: 11.33.10
